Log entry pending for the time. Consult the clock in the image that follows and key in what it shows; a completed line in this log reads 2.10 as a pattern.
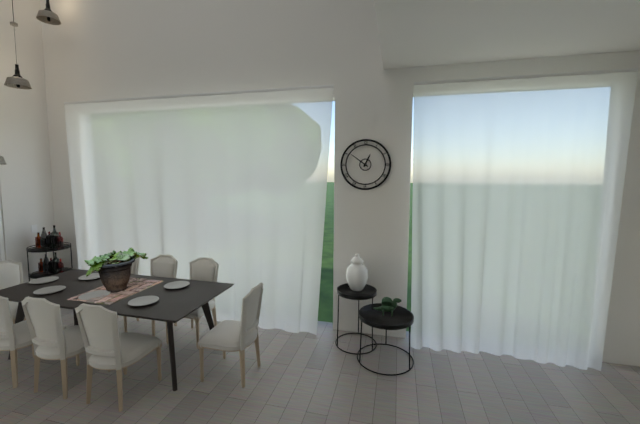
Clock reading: 12.51
